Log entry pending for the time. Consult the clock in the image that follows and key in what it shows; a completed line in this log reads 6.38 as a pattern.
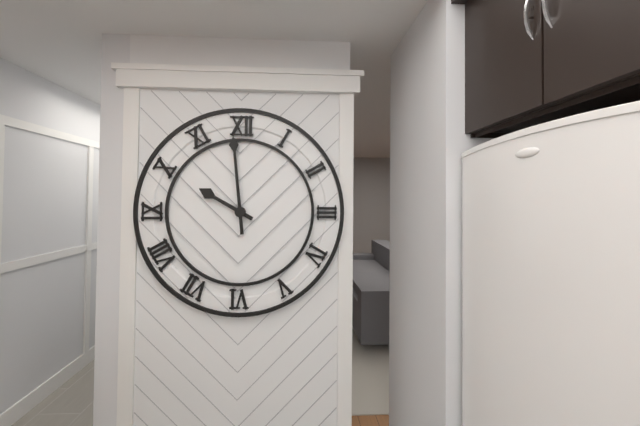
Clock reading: 9.59
